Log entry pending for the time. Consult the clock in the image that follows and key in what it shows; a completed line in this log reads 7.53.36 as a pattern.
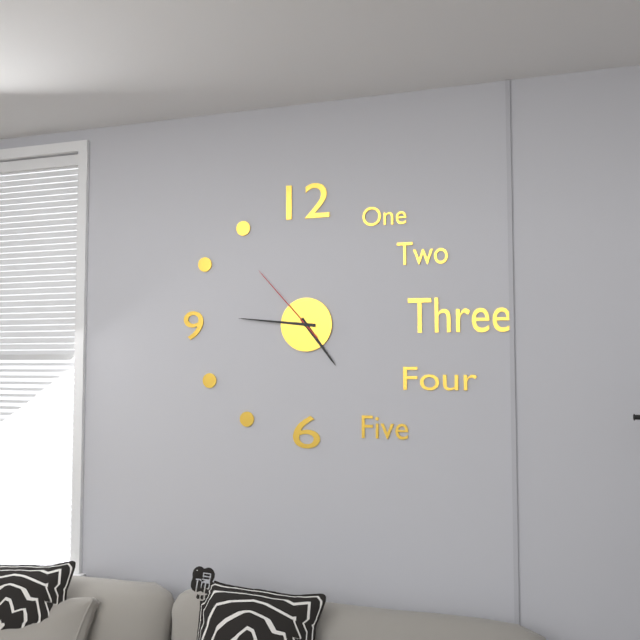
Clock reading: 4.46.53
